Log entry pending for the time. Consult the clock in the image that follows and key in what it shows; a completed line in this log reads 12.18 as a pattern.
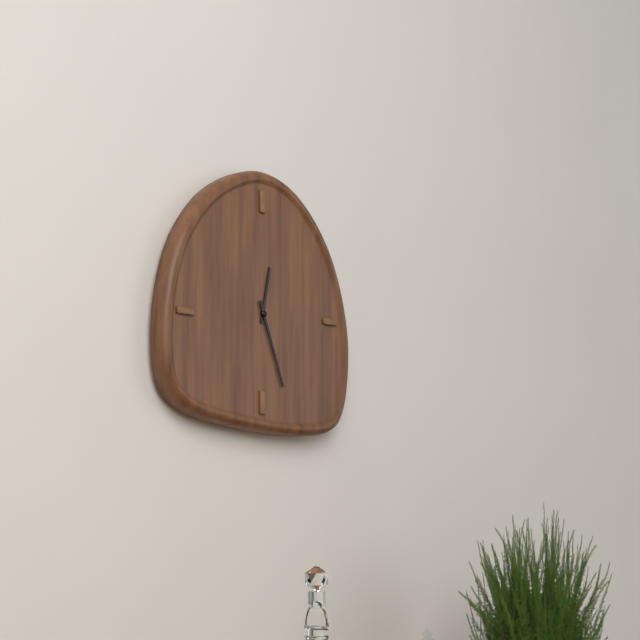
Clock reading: 12.26
